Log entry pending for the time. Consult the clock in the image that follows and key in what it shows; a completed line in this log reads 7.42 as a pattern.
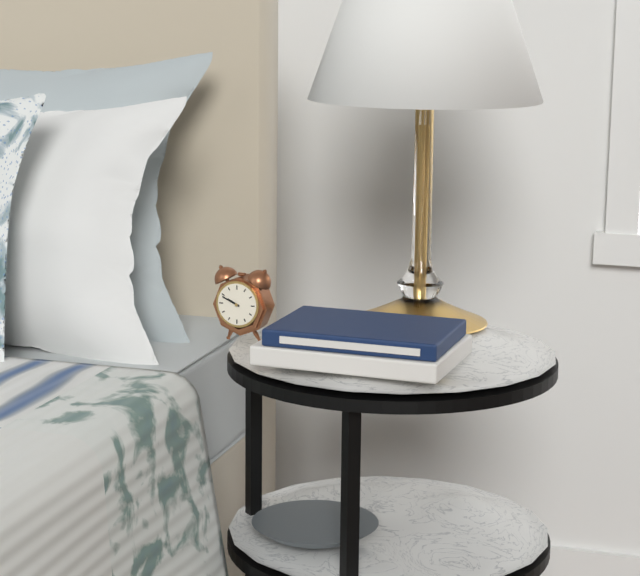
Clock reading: 9.49
